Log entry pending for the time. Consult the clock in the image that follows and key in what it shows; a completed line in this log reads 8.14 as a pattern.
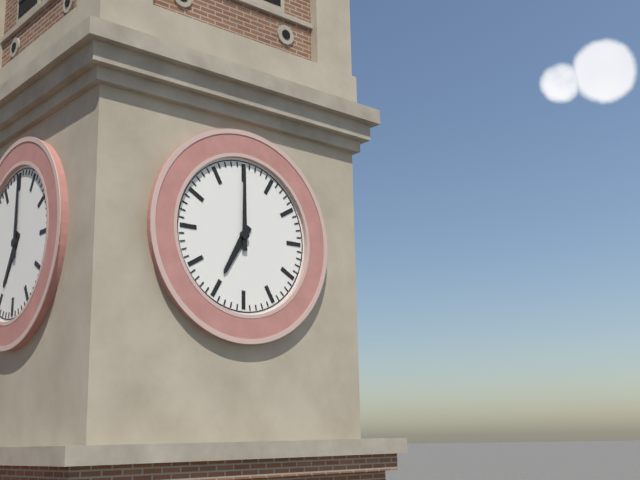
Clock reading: 7.00
